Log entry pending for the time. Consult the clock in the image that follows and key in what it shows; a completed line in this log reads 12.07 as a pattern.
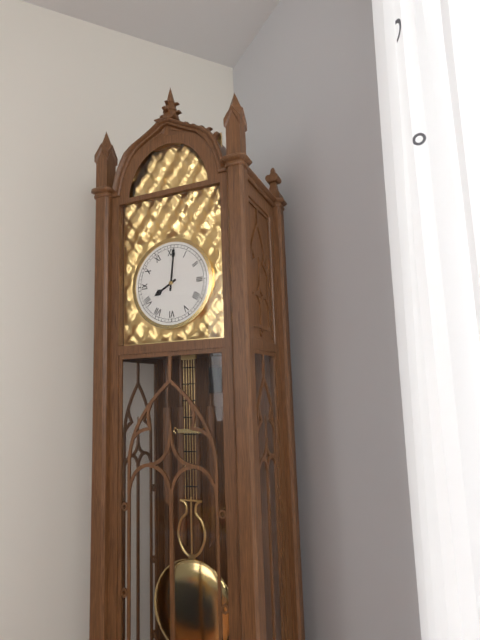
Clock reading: 8.01
